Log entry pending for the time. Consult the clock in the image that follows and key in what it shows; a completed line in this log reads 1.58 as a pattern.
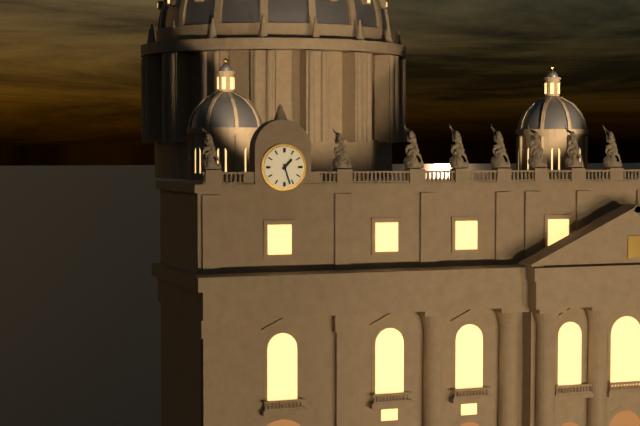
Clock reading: 1.27
